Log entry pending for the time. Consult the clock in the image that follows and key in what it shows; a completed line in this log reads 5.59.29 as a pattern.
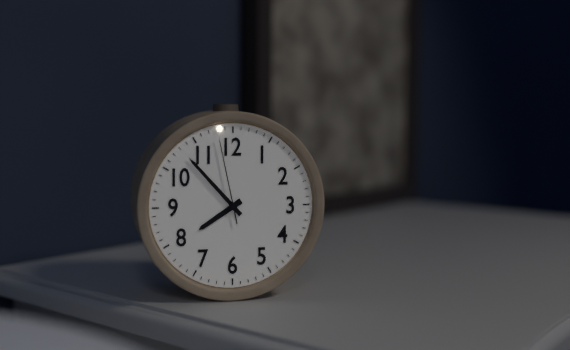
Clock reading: 7.53.58
